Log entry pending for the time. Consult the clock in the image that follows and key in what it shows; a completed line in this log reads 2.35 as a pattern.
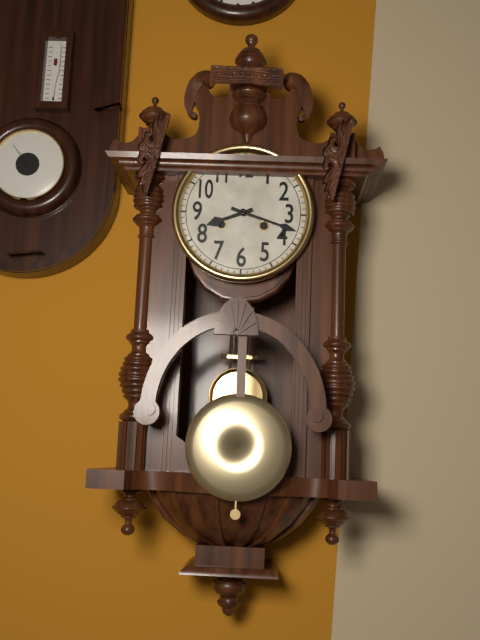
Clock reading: 8.18
